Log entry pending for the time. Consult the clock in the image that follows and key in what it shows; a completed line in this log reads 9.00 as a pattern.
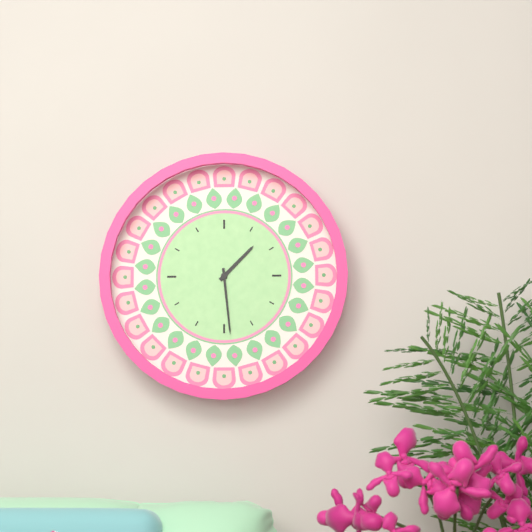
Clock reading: 1.29
